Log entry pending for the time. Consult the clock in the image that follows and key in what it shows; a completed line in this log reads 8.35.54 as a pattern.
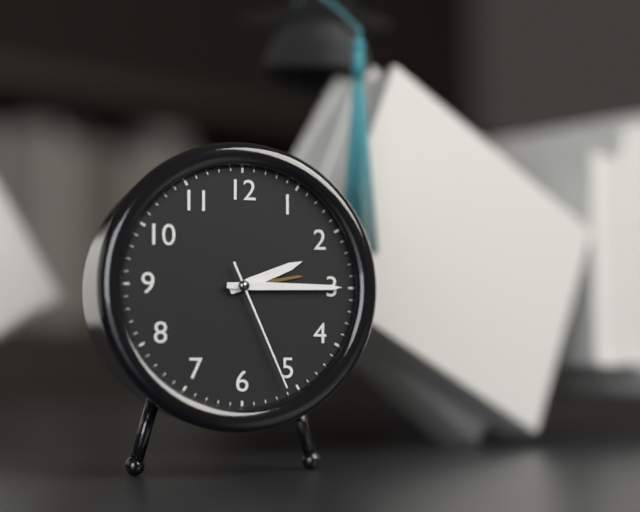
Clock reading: 2.15.26
